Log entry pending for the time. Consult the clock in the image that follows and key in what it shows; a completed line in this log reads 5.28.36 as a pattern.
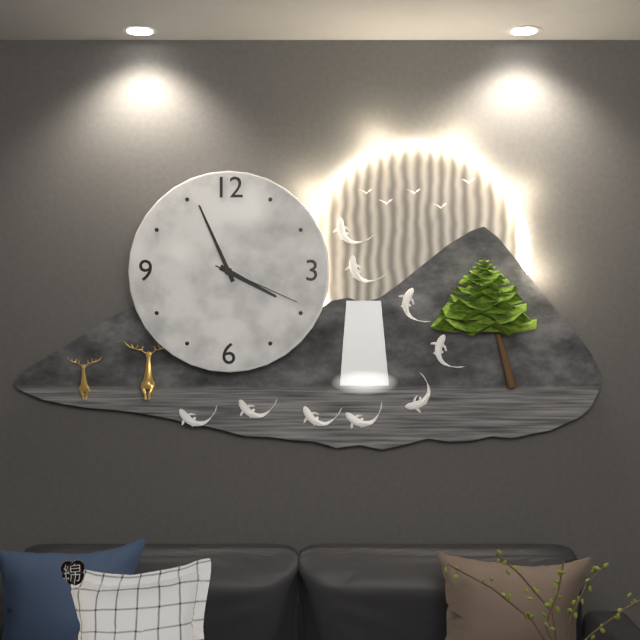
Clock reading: 3.56.19
